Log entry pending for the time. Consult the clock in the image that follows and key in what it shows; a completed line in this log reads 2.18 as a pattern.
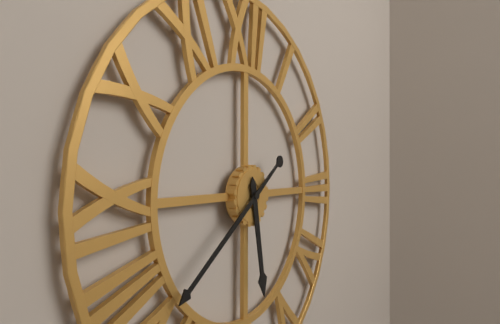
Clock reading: 5.39
